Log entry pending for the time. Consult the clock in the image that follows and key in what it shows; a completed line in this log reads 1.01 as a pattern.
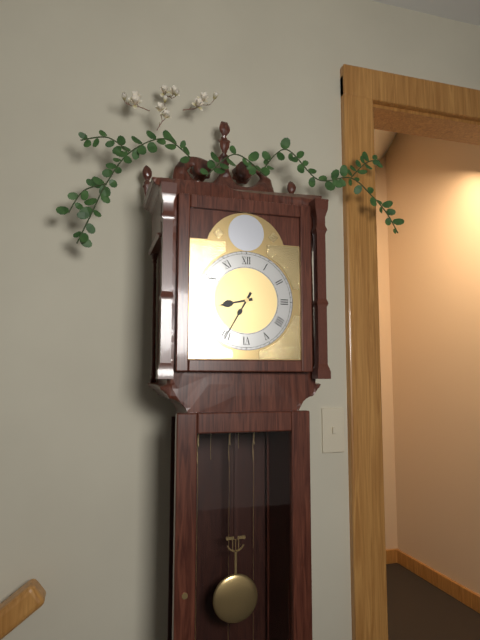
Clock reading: 8.35
